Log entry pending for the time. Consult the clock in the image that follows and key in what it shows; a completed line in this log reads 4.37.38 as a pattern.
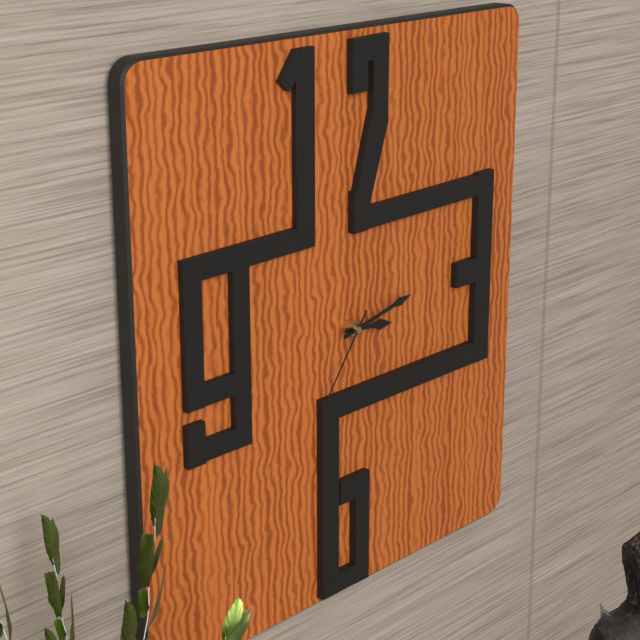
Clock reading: 3.13.36
